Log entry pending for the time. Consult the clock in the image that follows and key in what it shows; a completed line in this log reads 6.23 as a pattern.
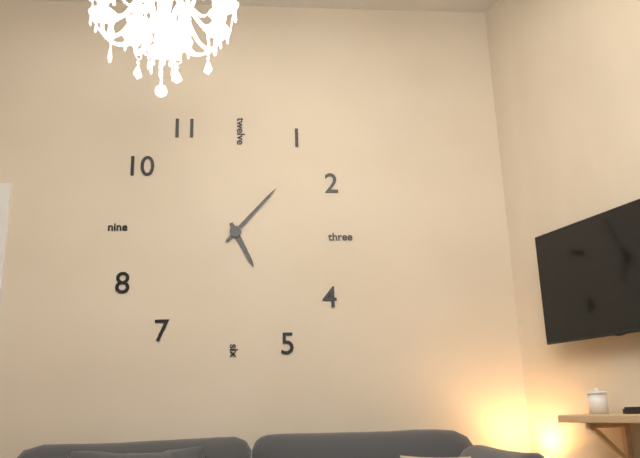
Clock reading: 5.07
